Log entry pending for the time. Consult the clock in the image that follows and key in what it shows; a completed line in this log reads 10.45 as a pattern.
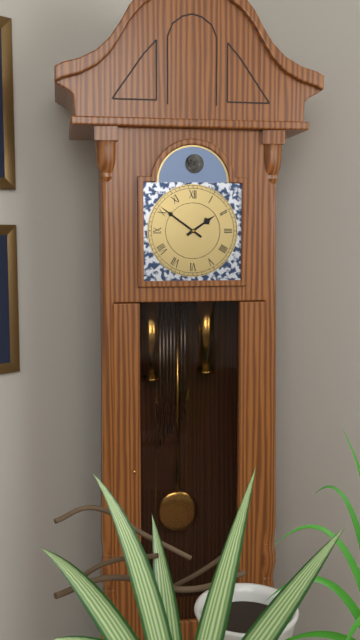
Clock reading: 1.51
